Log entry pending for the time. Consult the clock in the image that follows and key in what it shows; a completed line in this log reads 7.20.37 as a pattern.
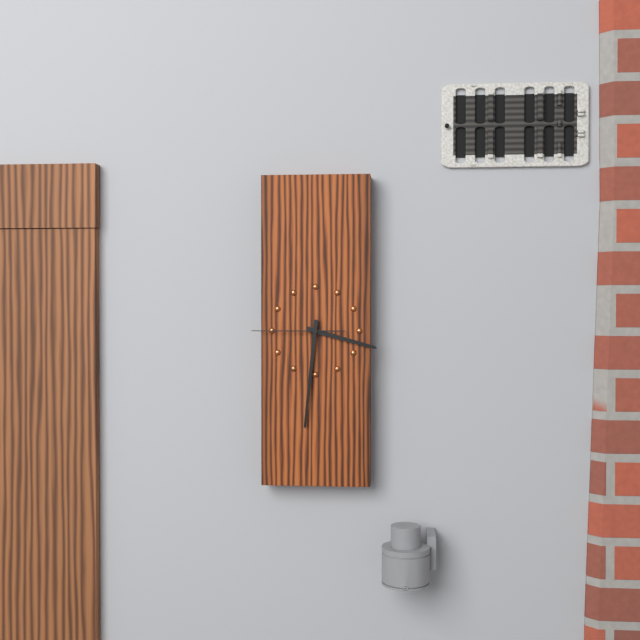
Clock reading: 3.31.45
